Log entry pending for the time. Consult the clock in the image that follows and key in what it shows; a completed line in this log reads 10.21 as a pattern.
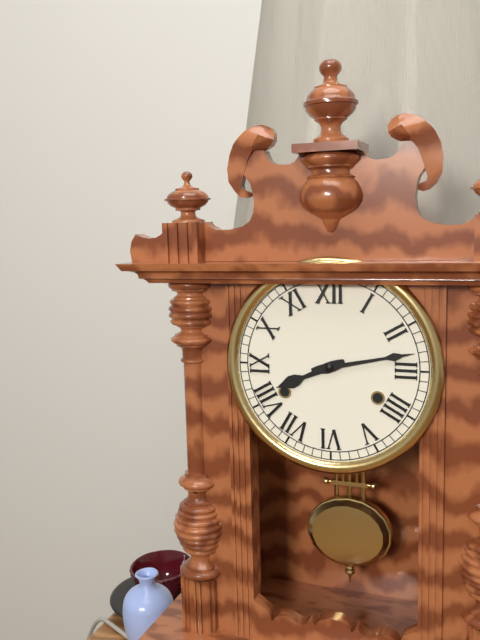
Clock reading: 8.13
